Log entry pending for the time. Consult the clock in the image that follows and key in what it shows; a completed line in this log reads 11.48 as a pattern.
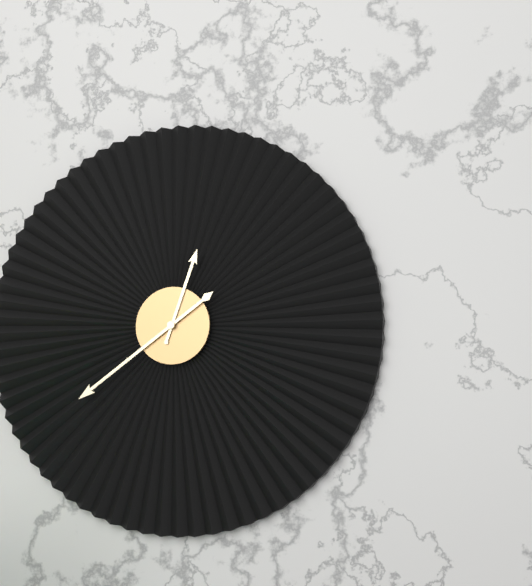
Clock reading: 12.39
